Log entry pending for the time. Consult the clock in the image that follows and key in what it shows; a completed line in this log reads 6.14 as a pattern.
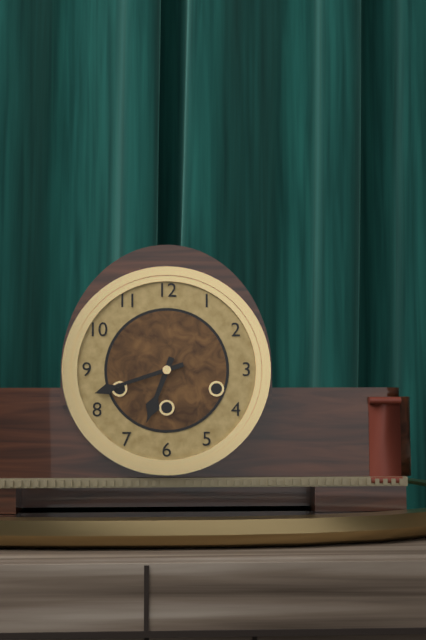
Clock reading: 6.42
